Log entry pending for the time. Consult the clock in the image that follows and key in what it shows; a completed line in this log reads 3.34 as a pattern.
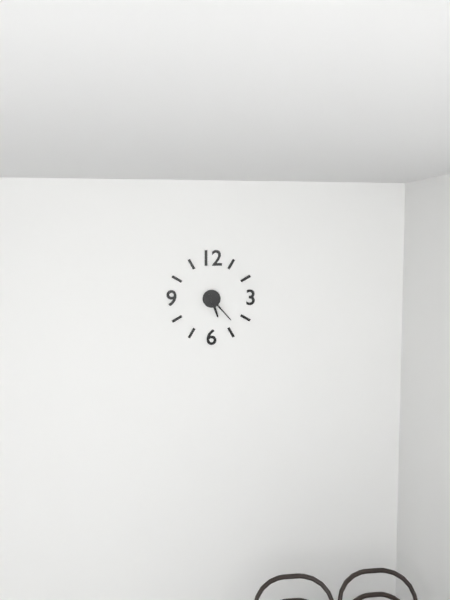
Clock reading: 5.23
